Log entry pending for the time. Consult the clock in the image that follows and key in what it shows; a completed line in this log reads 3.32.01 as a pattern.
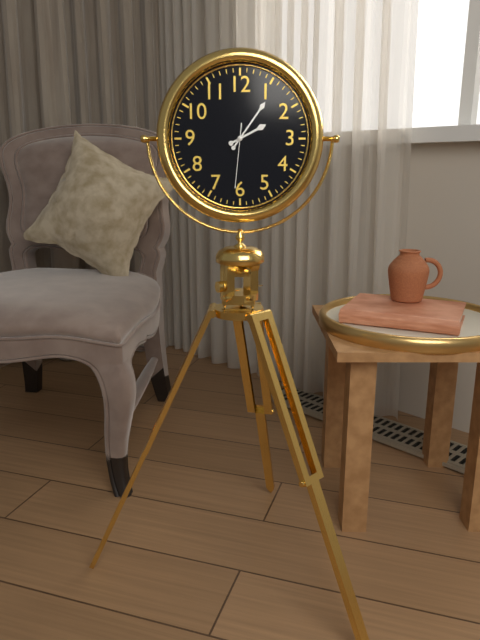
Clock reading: 2.06.31
